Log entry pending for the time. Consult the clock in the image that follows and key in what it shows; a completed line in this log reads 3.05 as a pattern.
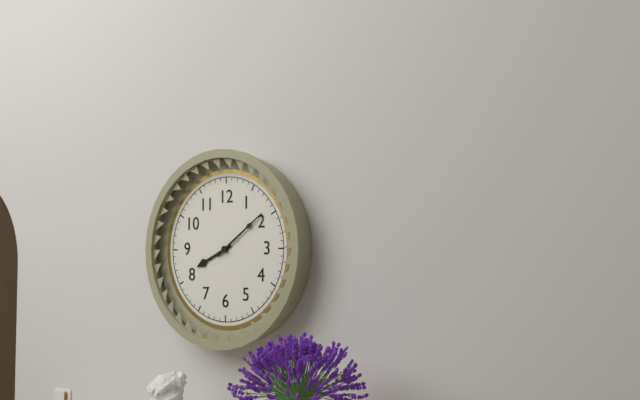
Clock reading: 8.09
